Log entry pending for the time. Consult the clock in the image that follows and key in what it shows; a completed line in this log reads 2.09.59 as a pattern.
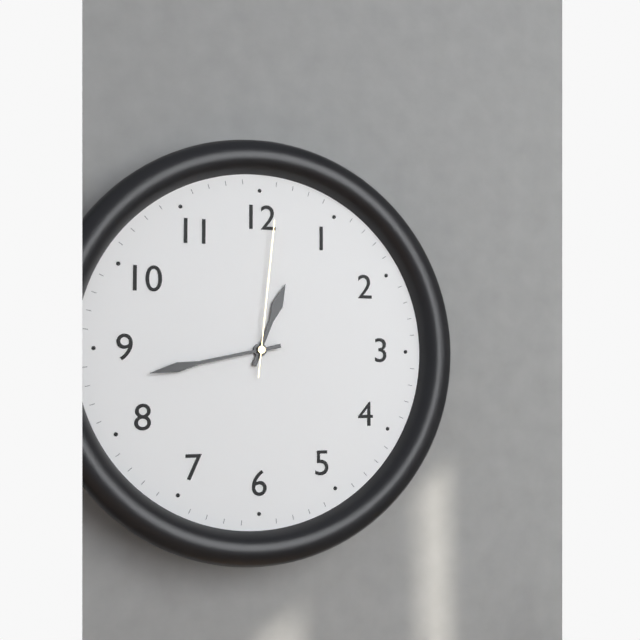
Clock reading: 12.43.01
